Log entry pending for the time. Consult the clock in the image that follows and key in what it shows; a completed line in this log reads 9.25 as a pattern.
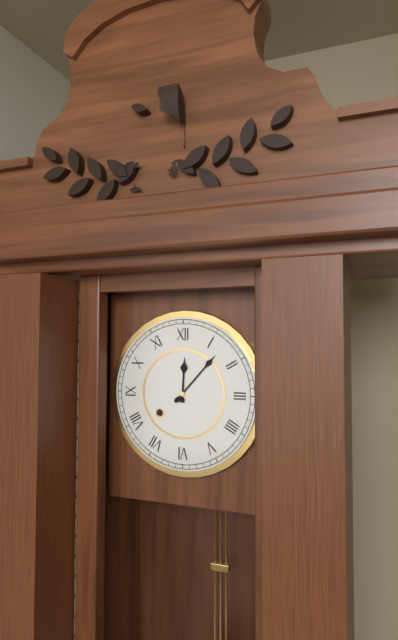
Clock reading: 12.07
